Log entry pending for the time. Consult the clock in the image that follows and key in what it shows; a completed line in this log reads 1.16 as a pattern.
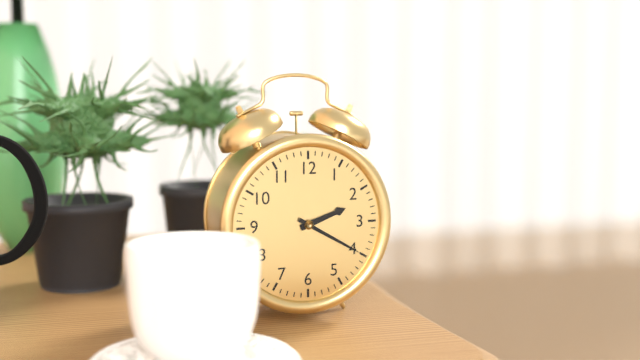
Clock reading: 2.20
